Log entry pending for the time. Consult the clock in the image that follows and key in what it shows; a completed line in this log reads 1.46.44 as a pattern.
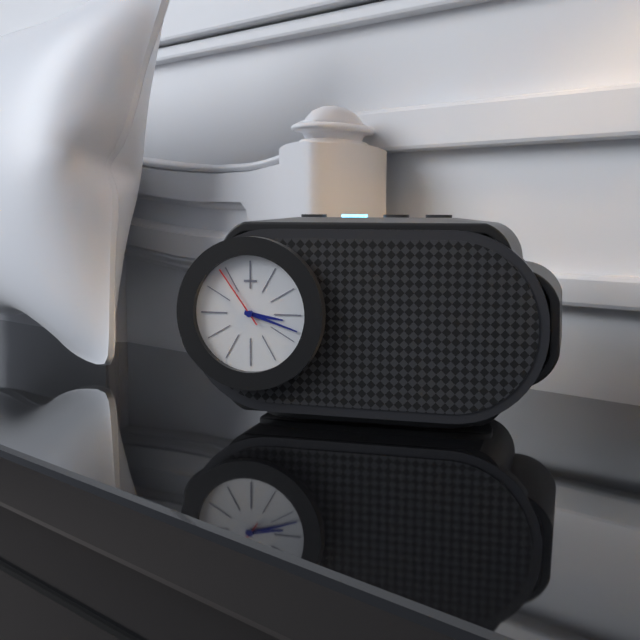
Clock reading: 3.18.54
